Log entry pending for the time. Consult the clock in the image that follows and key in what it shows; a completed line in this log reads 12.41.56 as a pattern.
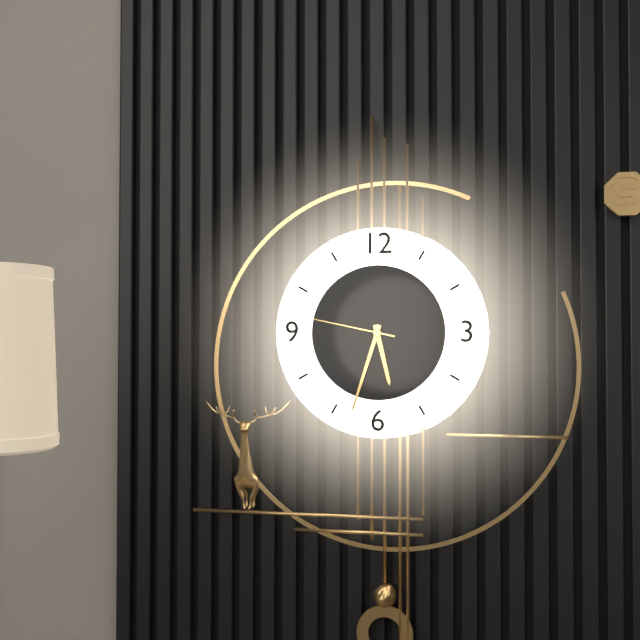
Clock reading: 5.33.47
